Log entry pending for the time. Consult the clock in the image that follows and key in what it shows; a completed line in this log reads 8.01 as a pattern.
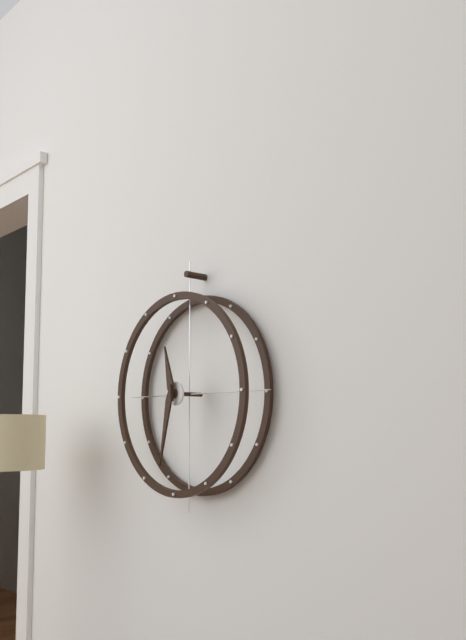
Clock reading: 11.32
